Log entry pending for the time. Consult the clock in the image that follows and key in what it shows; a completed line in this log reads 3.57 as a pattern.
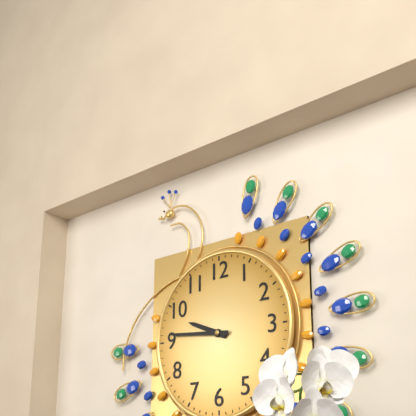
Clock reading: 9.46
